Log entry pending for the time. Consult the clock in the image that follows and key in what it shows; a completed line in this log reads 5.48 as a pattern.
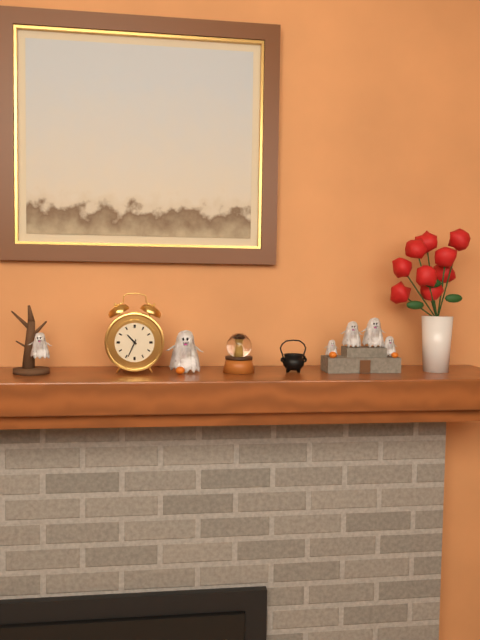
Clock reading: 10.34
